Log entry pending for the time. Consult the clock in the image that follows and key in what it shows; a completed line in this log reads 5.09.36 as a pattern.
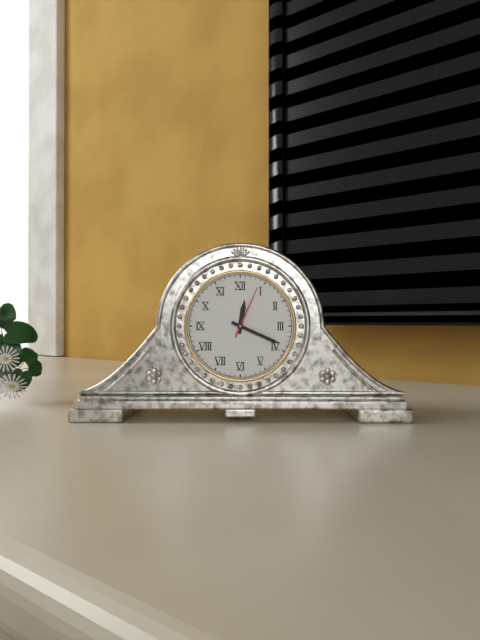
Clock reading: 12.19.04
